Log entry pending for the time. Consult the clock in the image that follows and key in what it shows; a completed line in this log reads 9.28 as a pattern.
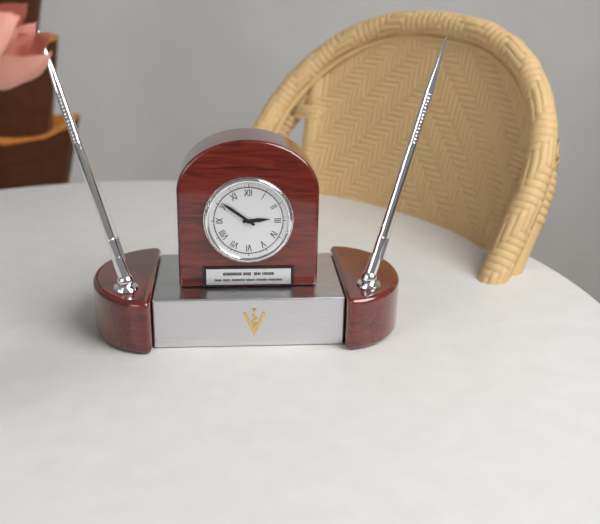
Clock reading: 2.51
